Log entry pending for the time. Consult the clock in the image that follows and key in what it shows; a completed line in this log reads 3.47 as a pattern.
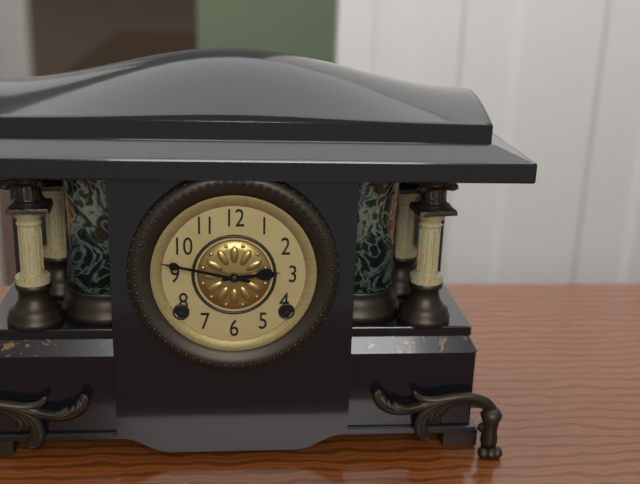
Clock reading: 2.47
